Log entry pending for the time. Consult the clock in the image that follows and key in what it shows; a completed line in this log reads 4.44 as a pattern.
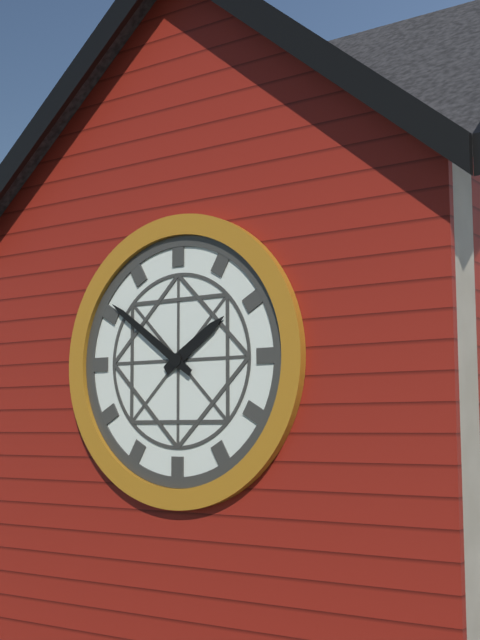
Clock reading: 1.51
